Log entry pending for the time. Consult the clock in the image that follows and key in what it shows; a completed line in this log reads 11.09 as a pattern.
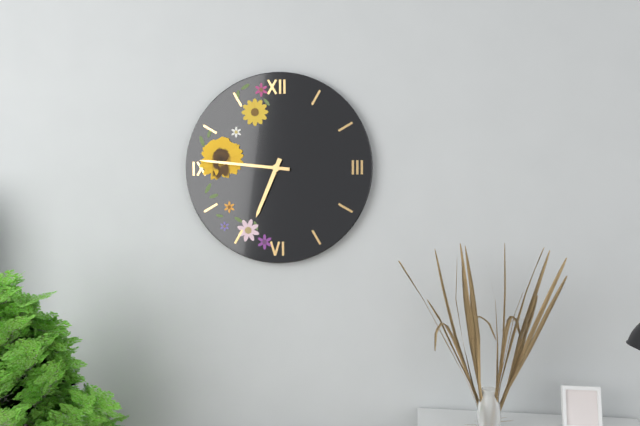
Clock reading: 6.46
